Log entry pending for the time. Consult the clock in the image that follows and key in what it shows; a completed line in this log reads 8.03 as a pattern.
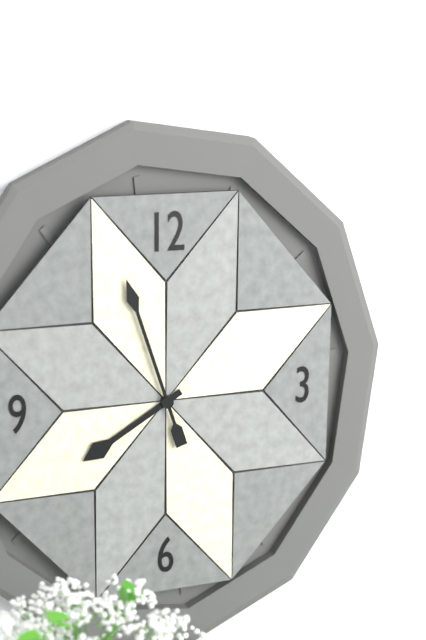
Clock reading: 7.57
